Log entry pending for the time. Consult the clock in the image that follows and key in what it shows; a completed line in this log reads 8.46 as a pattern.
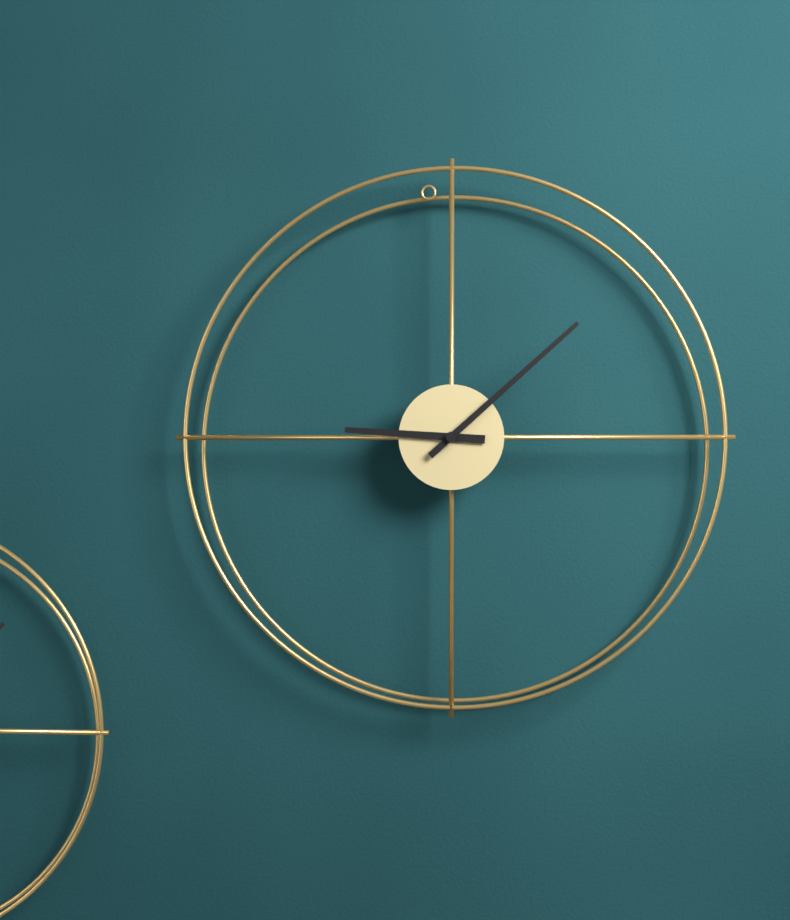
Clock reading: 9.08
